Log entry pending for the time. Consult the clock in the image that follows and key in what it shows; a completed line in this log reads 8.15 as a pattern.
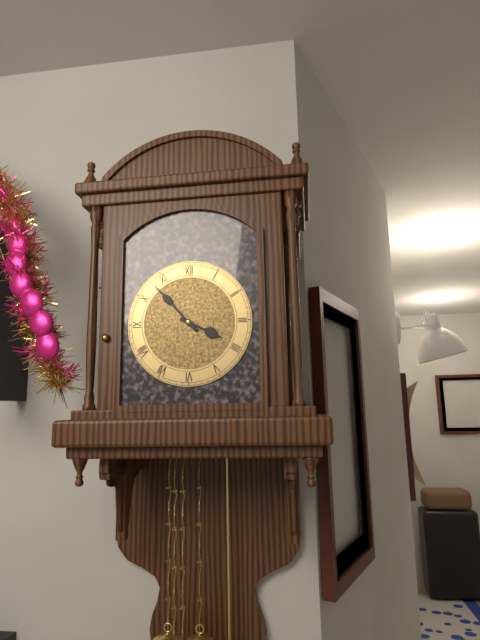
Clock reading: 3.53
